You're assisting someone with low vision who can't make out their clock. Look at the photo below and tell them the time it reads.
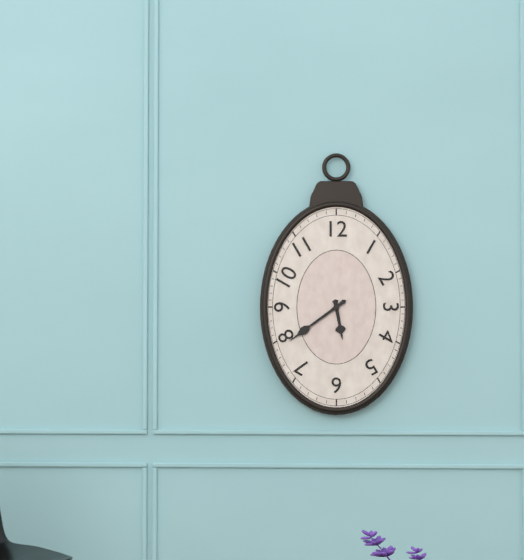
5:39
